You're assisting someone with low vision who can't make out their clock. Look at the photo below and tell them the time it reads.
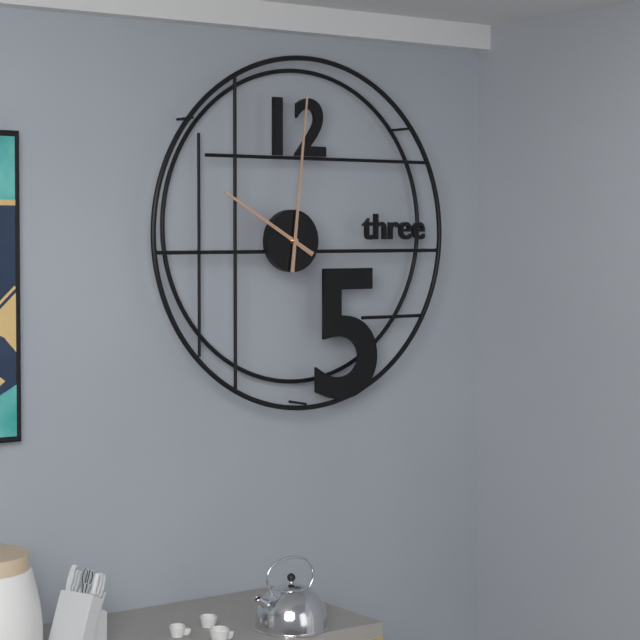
10:01
